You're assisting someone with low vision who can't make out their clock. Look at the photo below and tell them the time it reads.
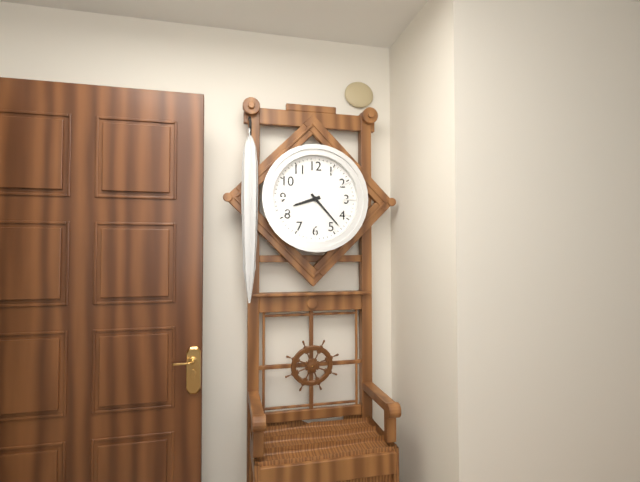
8:23
